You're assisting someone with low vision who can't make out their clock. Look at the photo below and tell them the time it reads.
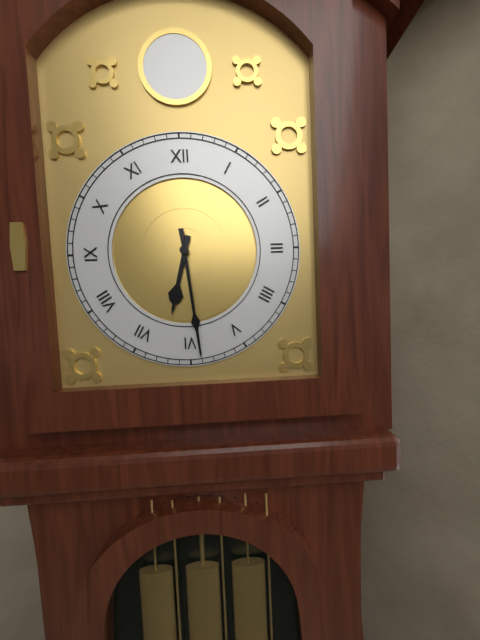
6:29
